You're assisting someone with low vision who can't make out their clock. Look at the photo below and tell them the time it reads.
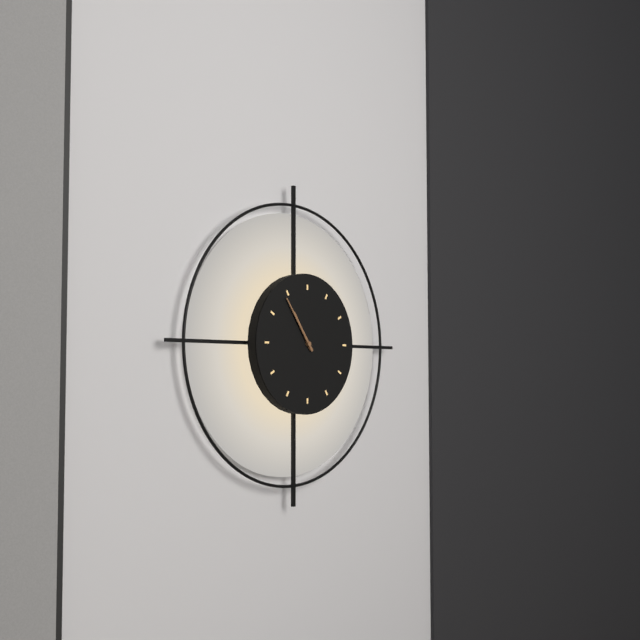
10:54
